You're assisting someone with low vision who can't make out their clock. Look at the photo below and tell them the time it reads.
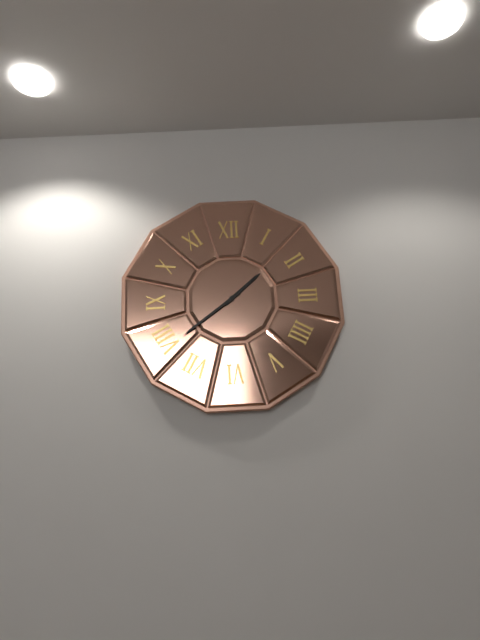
1:39
